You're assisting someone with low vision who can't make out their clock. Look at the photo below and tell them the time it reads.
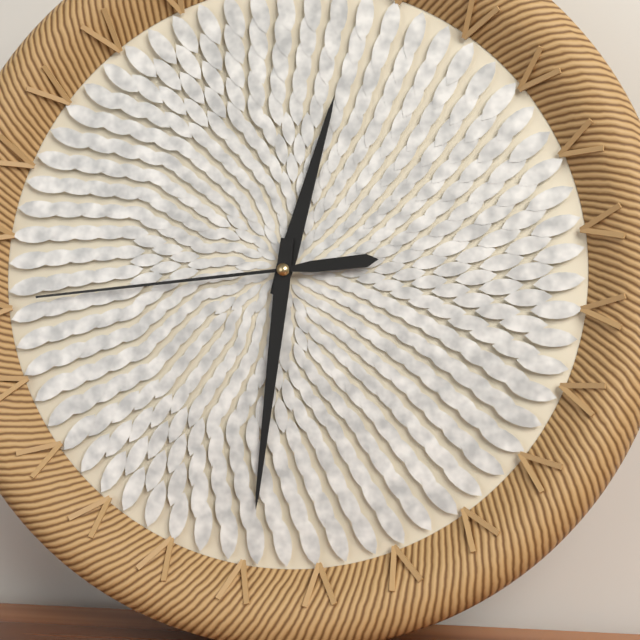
12:31:44
